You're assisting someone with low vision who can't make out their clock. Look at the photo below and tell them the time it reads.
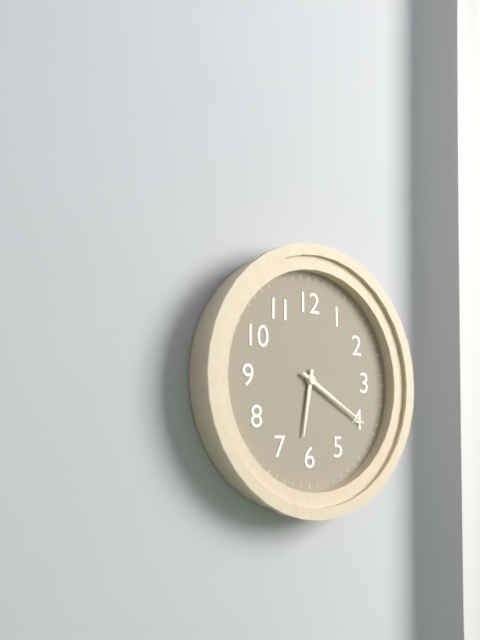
6:20
